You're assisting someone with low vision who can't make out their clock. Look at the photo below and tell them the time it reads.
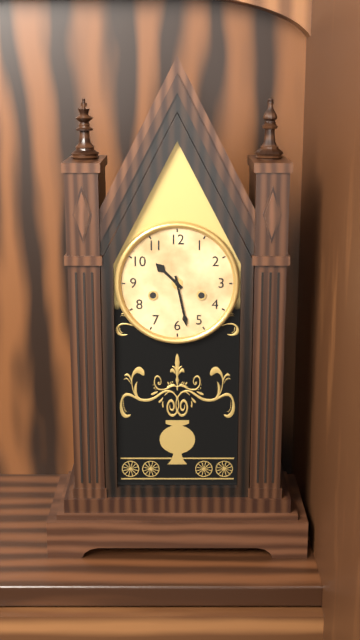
10:28
